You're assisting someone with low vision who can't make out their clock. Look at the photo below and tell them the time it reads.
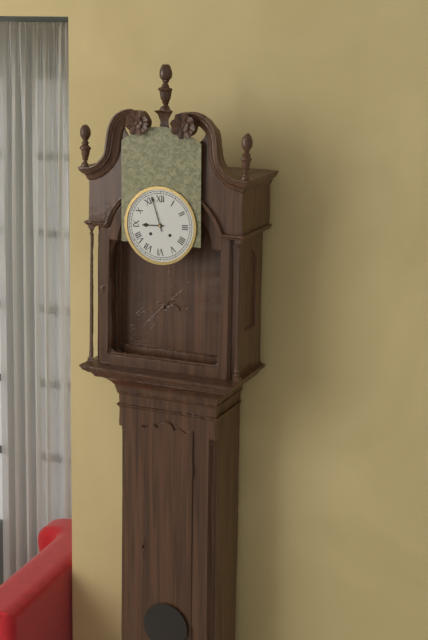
8:57
